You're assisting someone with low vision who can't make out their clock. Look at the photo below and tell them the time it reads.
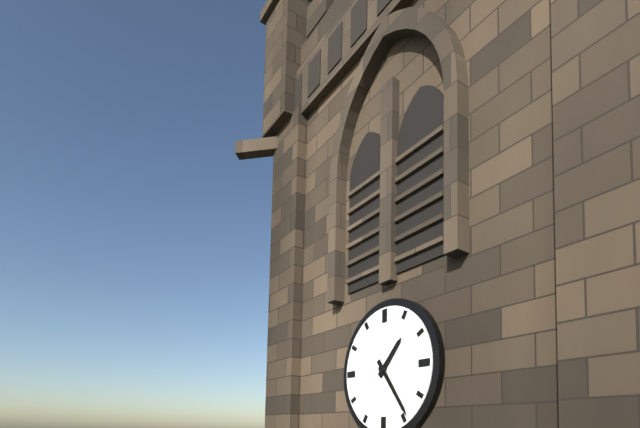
1:24
